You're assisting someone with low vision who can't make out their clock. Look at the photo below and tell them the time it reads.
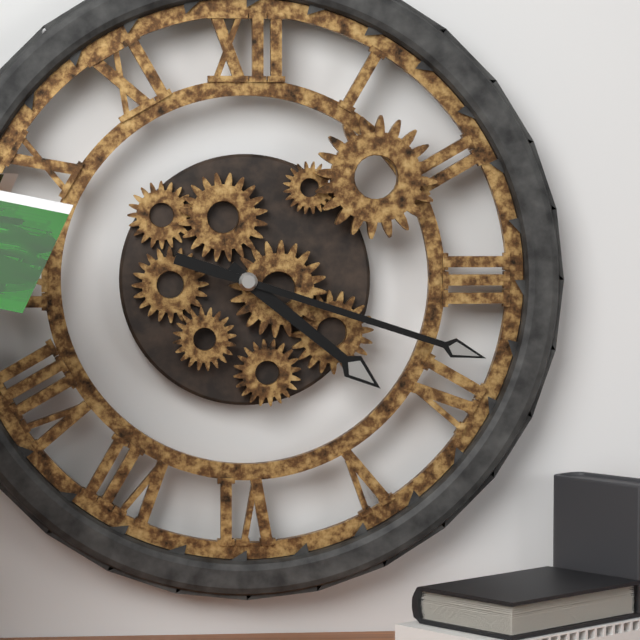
4:18
